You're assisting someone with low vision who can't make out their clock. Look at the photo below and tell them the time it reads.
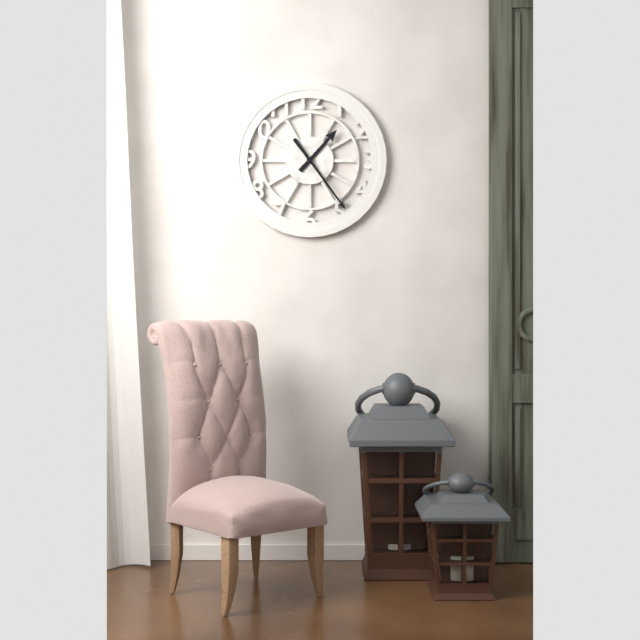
1:24
